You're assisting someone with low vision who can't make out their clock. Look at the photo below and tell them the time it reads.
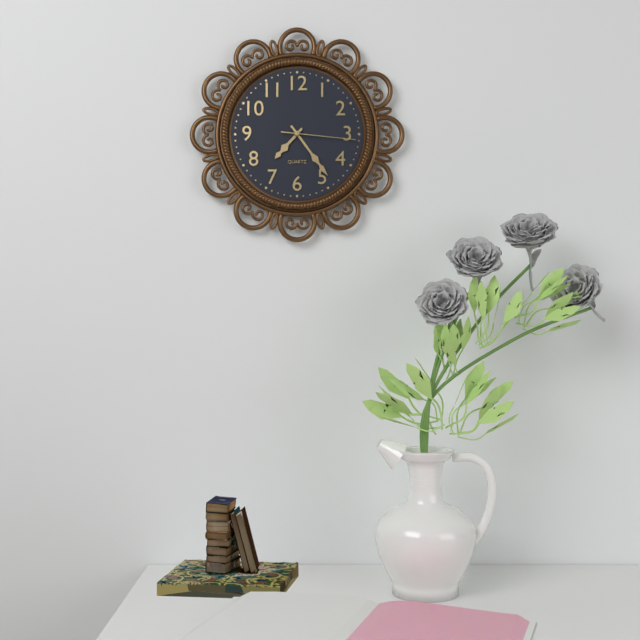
7:24:16
